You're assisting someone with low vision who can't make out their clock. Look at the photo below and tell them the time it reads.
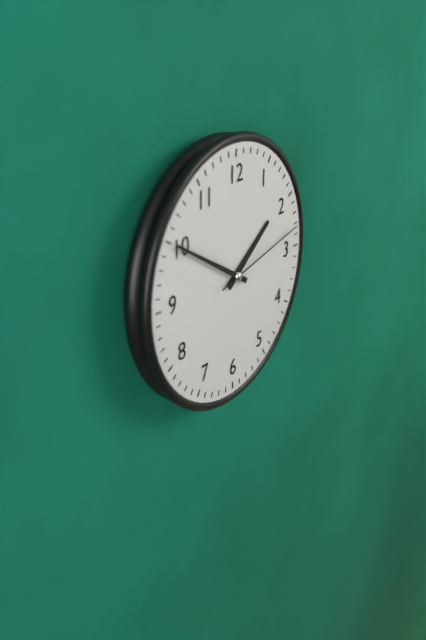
1:50:13
